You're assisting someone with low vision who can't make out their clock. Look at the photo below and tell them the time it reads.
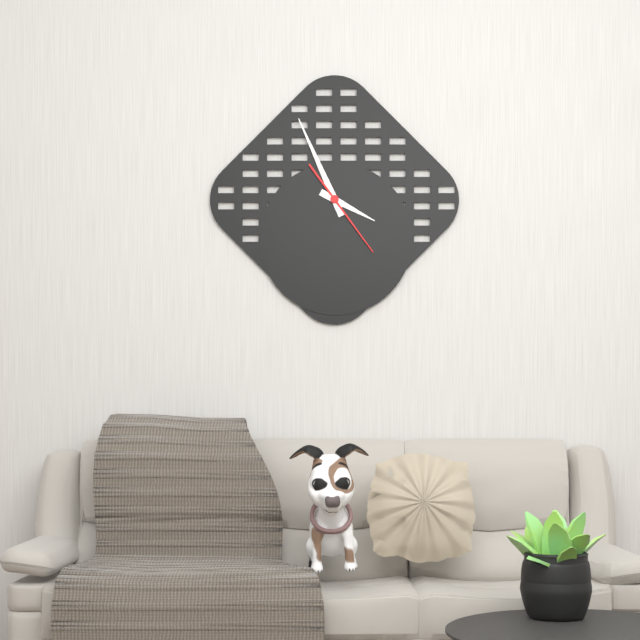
3:56:24
